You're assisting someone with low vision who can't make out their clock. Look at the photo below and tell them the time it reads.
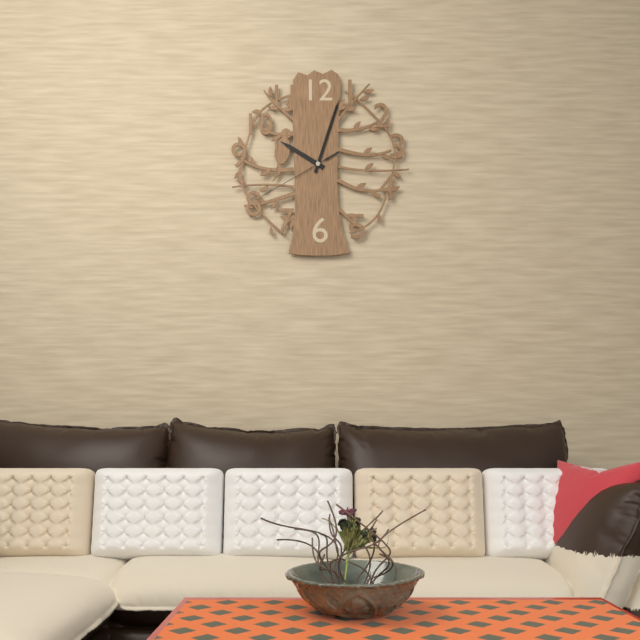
10:03:40
